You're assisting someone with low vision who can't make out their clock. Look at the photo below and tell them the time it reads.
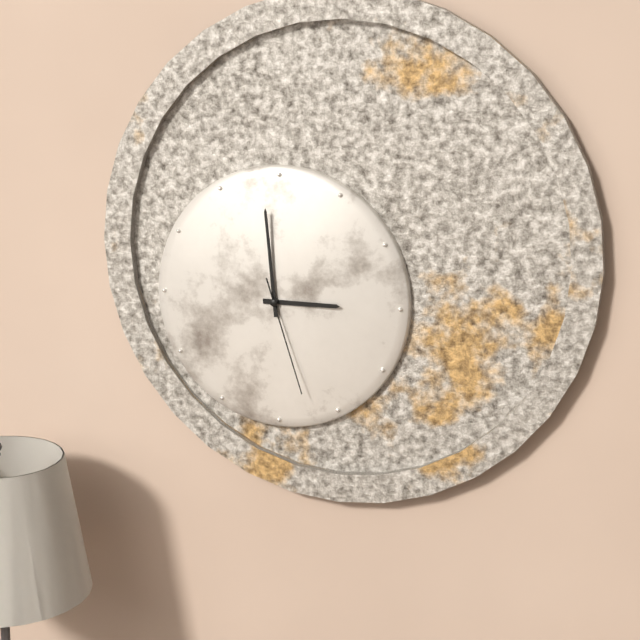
2:59:27
